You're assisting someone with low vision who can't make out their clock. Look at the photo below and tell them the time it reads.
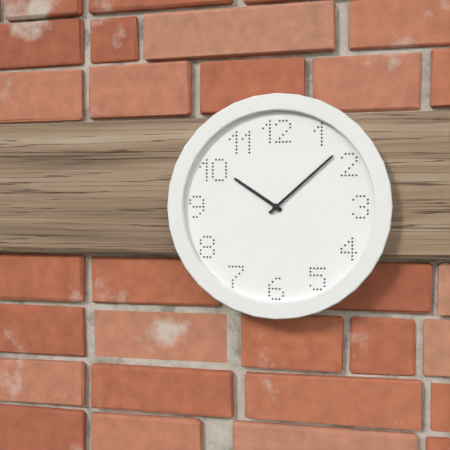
10:08
